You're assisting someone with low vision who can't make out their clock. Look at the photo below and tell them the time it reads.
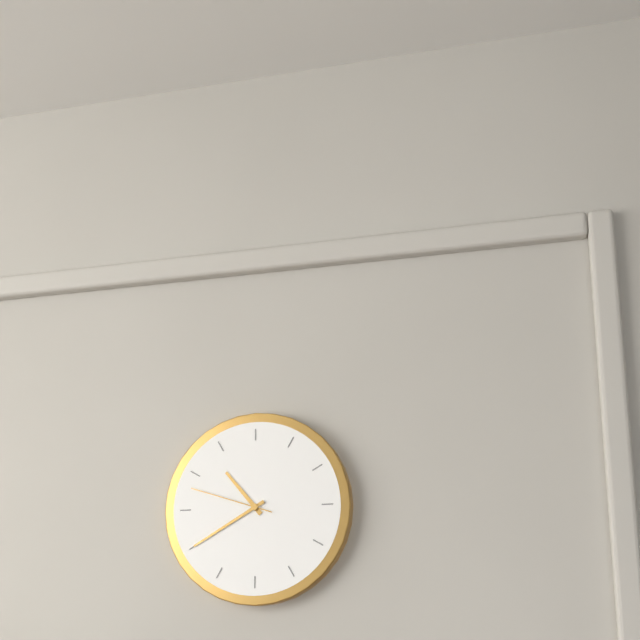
10:40:48
